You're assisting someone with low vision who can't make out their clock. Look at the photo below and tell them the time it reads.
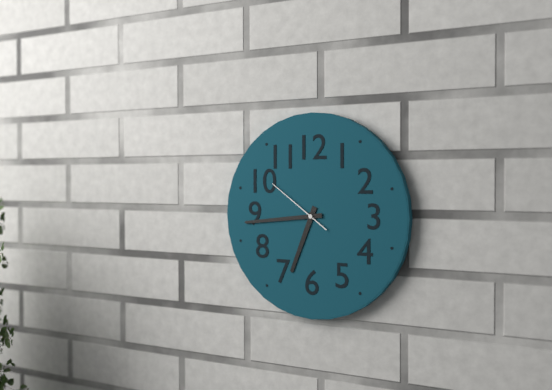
6:44:51
